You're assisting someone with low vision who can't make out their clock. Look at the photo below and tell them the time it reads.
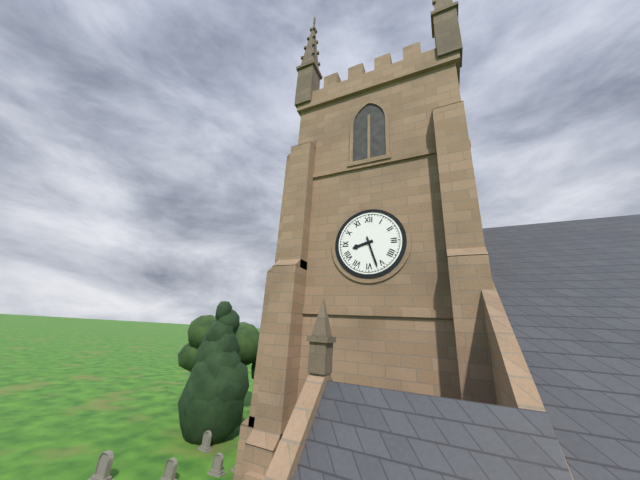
8:27
